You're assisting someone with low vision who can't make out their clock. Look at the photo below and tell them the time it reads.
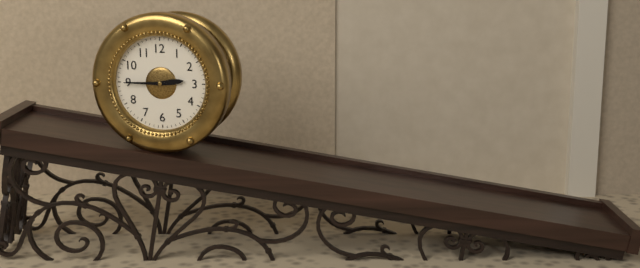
2:45
